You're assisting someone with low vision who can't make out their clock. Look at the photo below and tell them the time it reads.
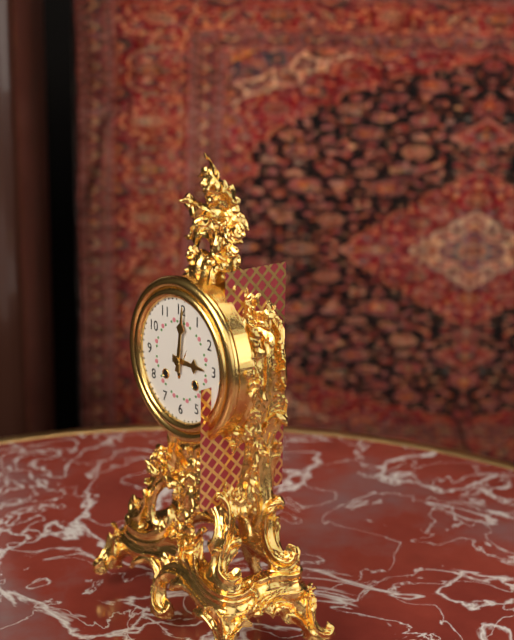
3:01
